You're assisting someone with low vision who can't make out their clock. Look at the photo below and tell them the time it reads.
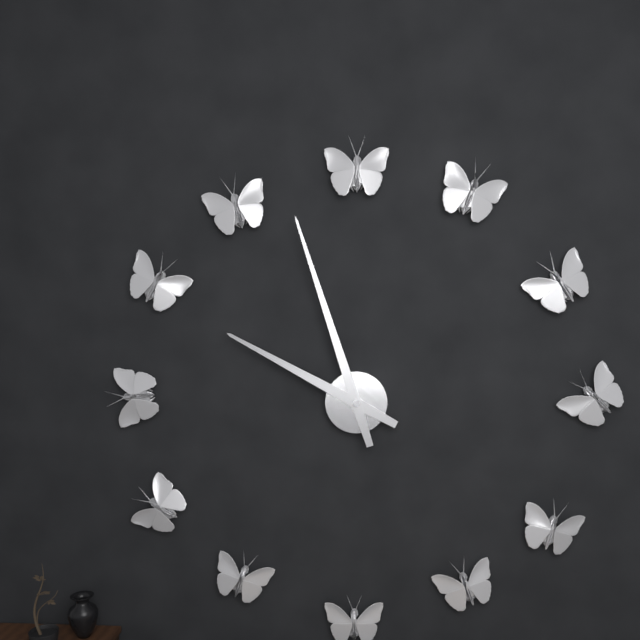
9:57
